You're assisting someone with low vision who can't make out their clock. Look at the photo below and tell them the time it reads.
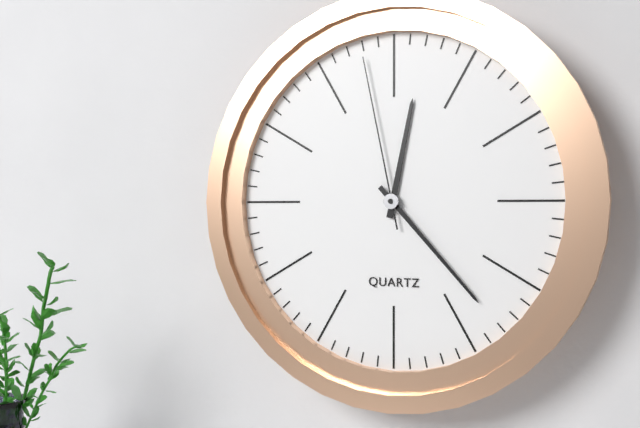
12:23:58
